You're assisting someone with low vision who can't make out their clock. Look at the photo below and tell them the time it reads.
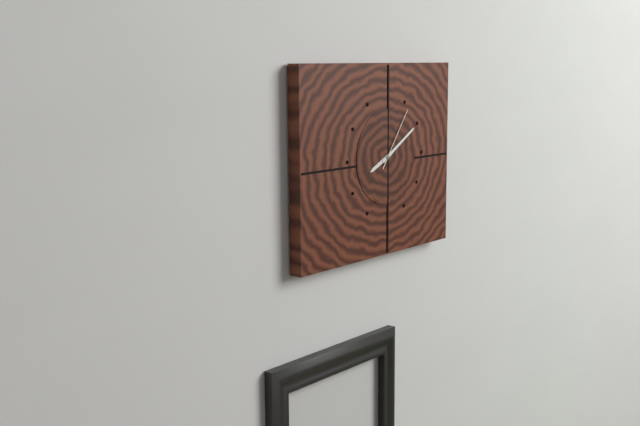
8:10:06
